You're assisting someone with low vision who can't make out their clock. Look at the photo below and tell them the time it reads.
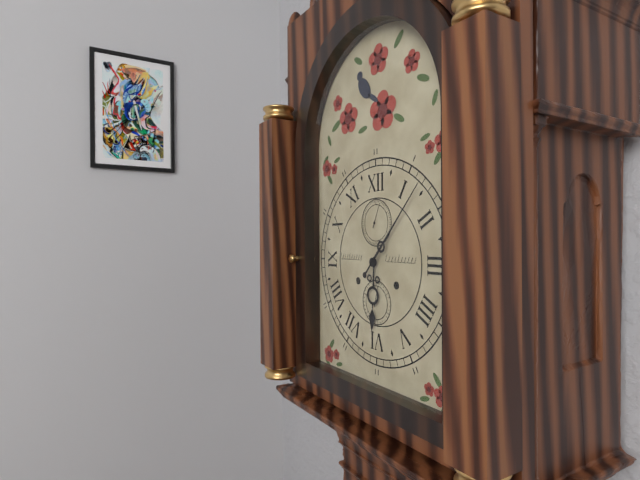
6:07
